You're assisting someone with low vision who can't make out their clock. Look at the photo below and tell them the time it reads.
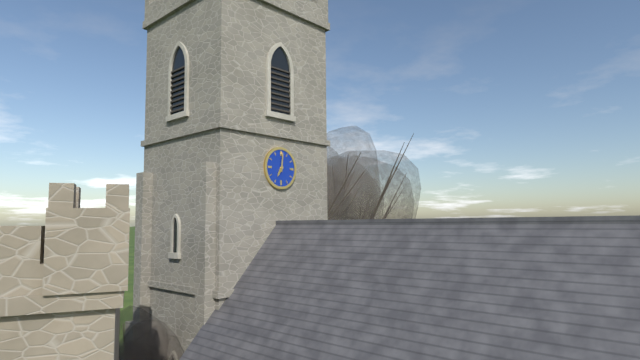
7:01
